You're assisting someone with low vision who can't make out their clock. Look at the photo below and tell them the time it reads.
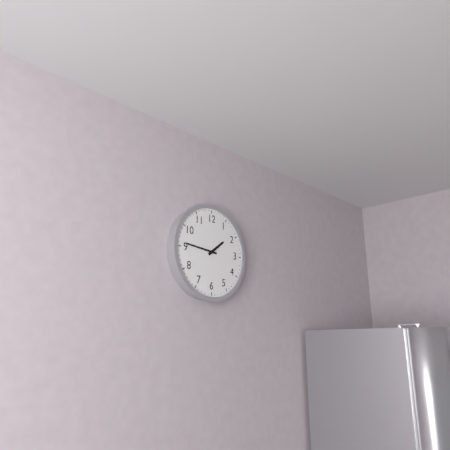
1:46
